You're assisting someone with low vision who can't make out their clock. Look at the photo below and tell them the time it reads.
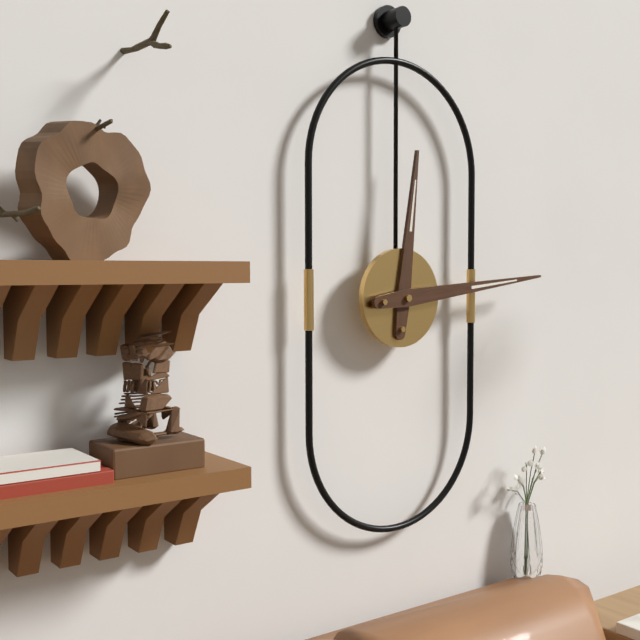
12:14
